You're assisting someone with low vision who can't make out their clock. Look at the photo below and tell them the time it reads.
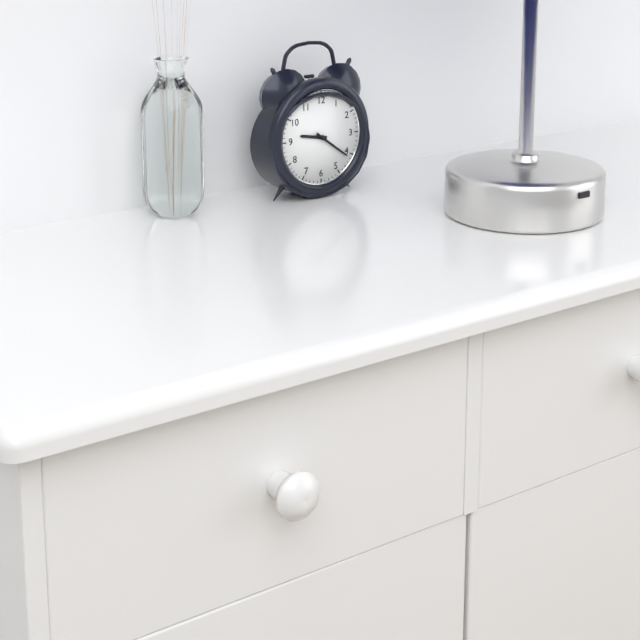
9:21
